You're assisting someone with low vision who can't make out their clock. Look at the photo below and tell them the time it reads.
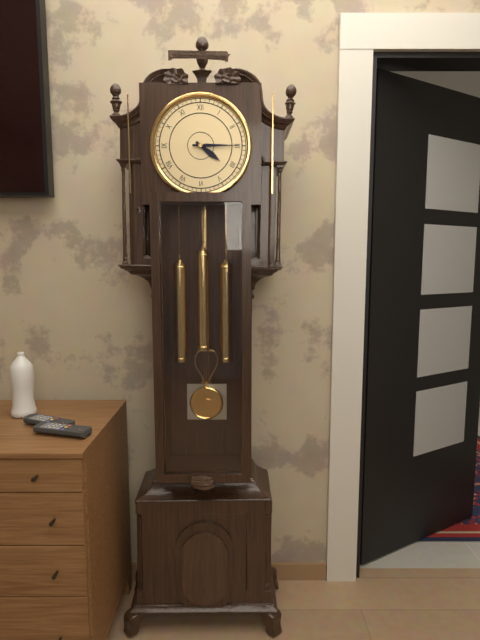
4:15
